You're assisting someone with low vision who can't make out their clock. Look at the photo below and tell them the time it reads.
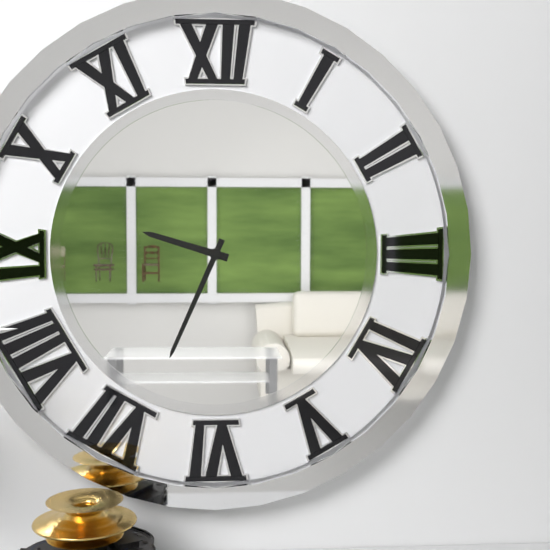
9:34
